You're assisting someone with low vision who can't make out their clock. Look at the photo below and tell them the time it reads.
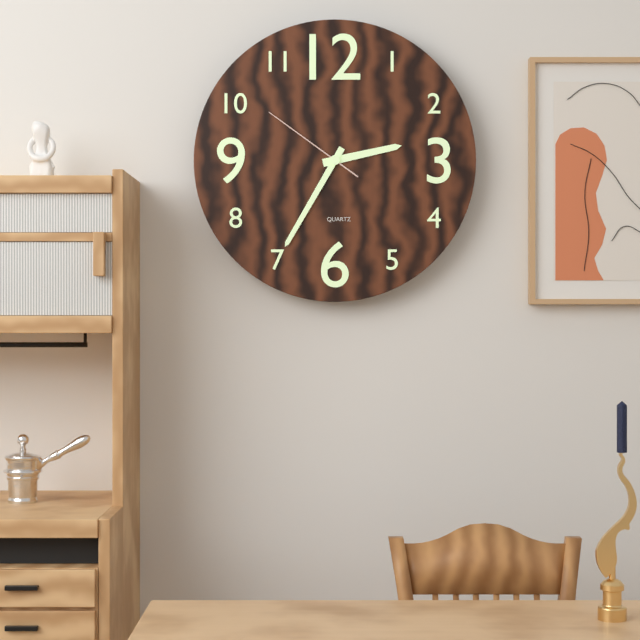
2:35:51
